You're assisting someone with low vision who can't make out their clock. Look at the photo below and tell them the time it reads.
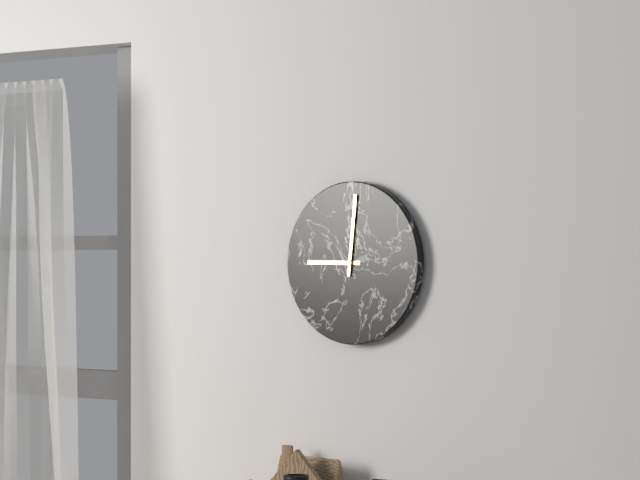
9:01
